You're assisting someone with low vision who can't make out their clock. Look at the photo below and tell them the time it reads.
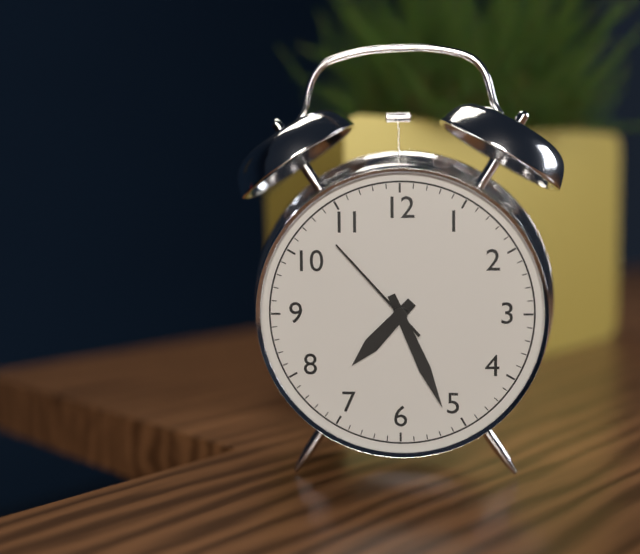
7:26:53
